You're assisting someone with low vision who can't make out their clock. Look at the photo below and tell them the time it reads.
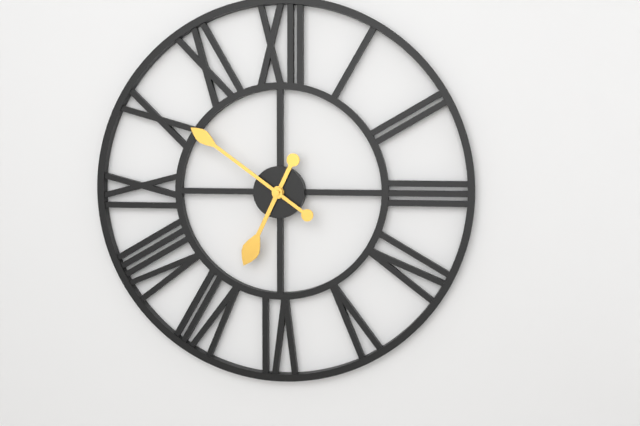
6:51
